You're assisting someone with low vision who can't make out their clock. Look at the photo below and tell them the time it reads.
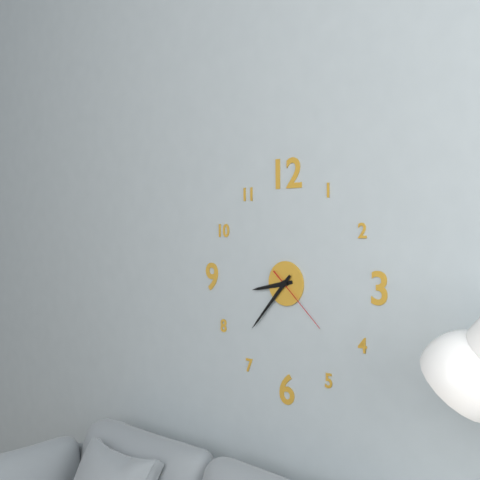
8:37:22
